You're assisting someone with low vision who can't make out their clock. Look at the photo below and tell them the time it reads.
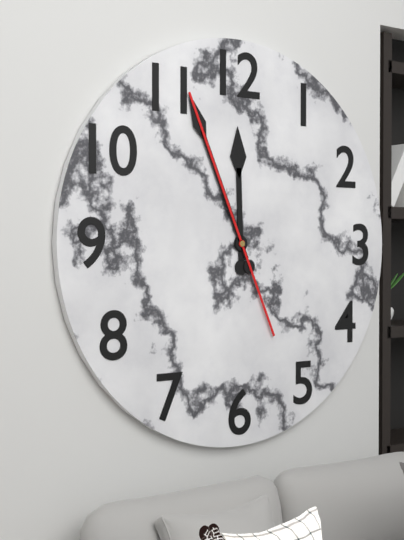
11:56:56
